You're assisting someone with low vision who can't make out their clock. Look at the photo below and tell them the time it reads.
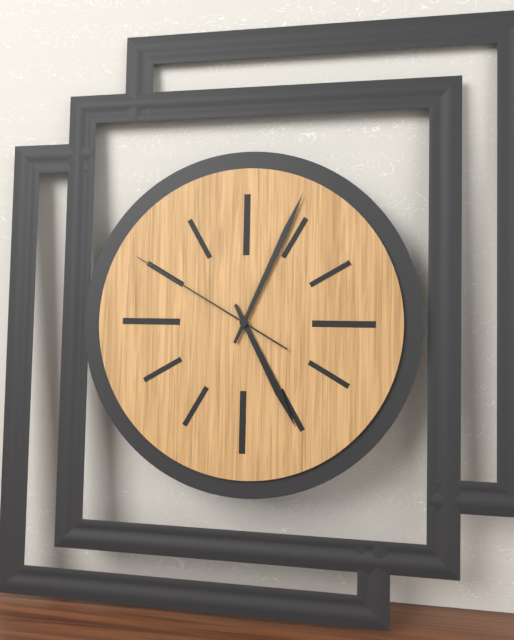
5:04:50
